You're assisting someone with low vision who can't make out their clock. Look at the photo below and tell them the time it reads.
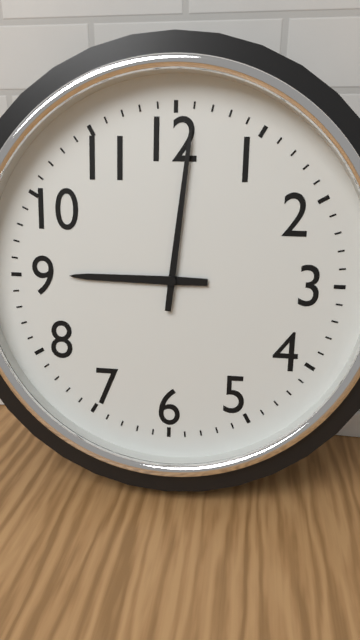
9:01
